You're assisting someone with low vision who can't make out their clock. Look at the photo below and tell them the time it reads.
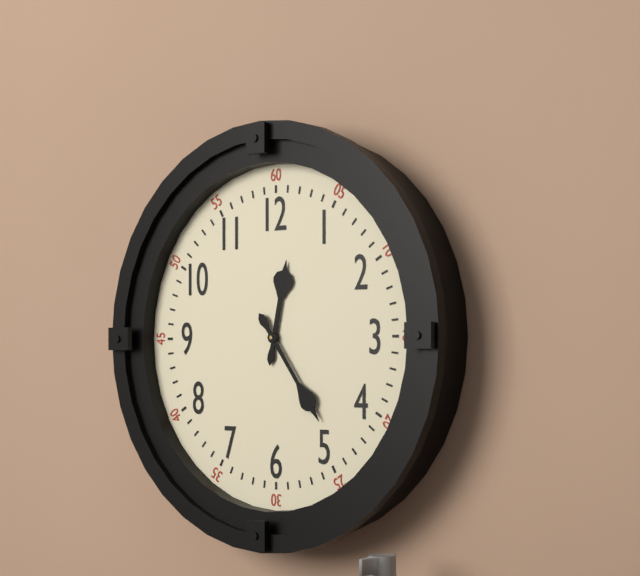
12:24
